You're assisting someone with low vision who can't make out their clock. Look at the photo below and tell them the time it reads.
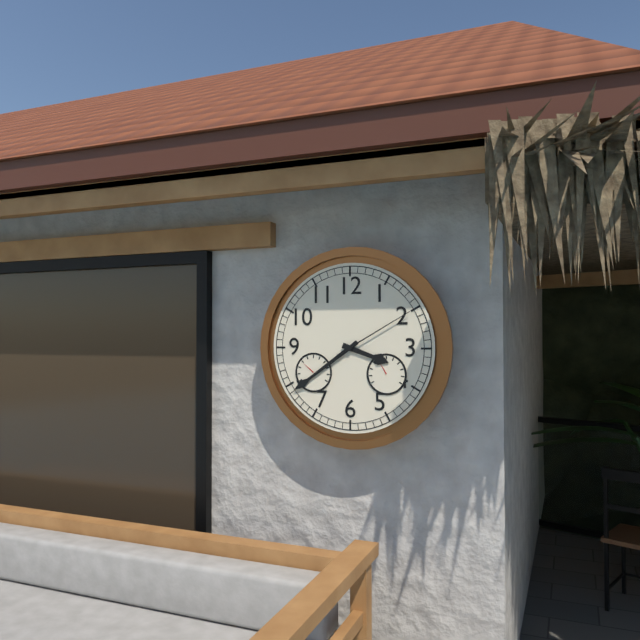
3:39:10
